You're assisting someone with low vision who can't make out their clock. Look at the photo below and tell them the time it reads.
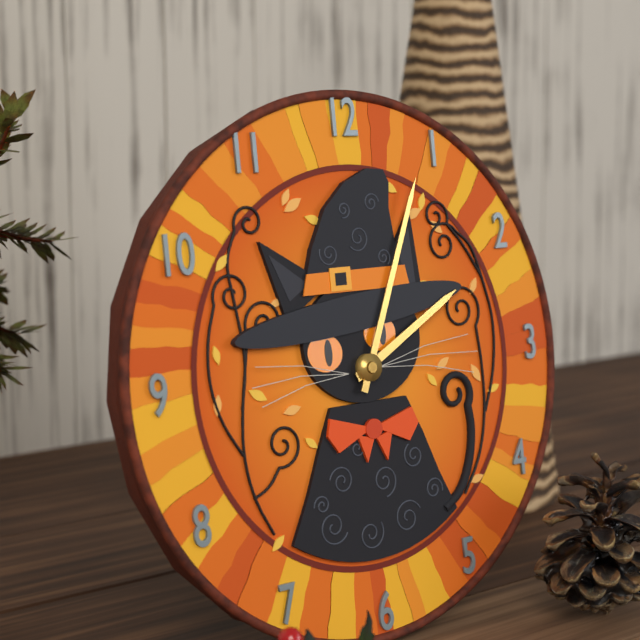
2:04
